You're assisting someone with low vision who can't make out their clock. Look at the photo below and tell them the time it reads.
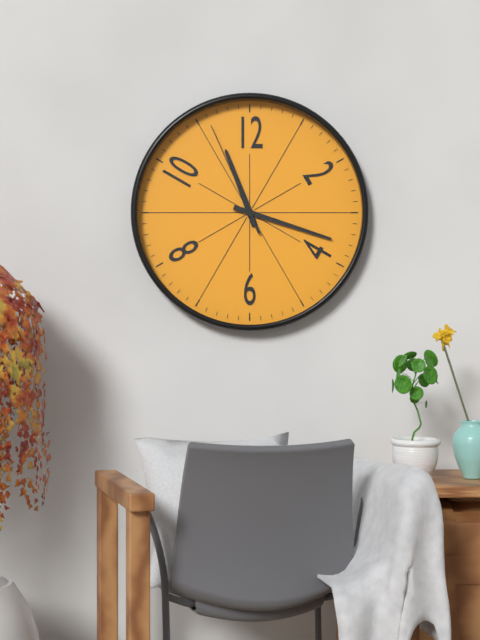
11:18:56
